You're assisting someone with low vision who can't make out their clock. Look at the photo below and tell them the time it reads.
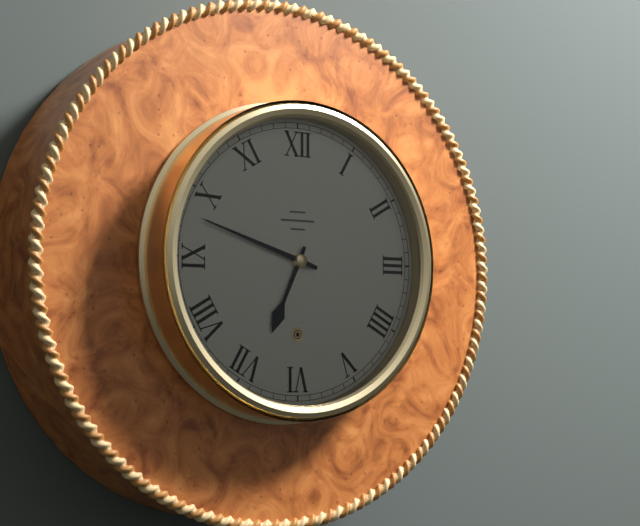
6:48
